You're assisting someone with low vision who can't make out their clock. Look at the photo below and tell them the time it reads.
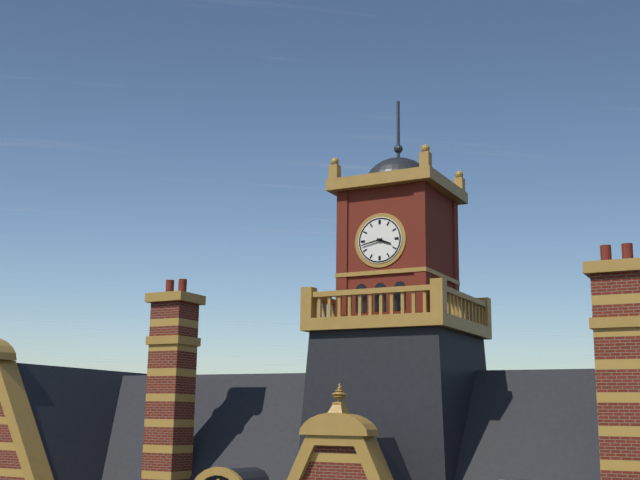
3:43
